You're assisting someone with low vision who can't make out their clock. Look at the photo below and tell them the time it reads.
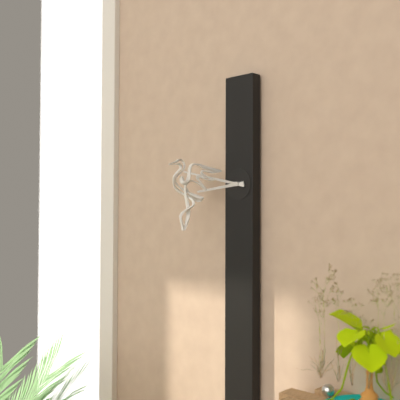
8:47
